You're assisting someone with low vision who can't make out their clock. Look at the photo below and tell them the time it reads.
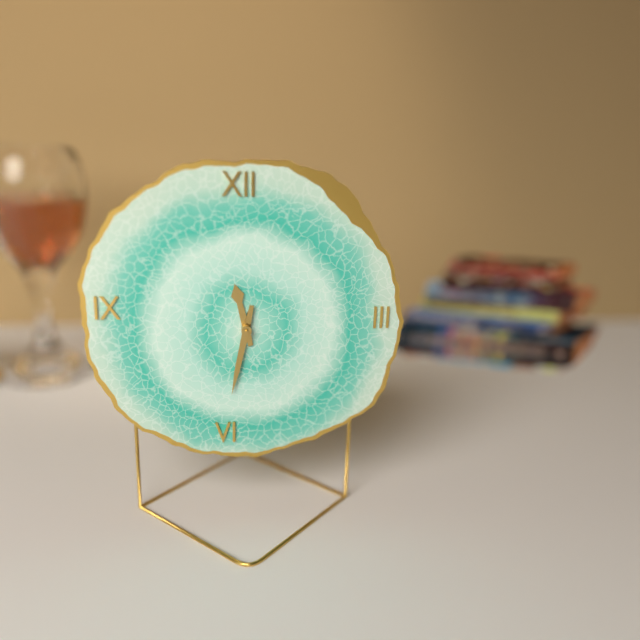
11:32
